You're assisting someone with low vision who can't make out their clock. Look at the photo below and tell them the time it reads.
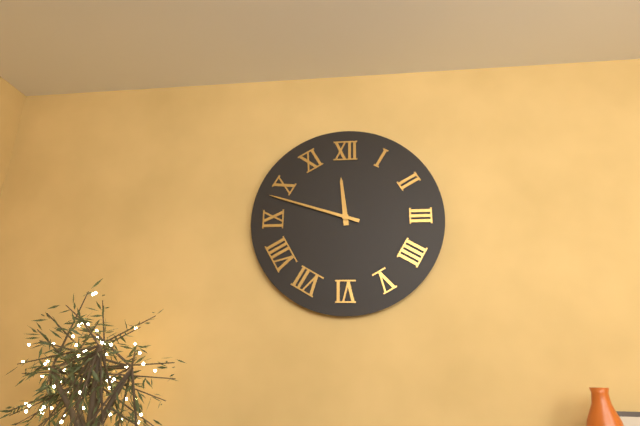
11:48
